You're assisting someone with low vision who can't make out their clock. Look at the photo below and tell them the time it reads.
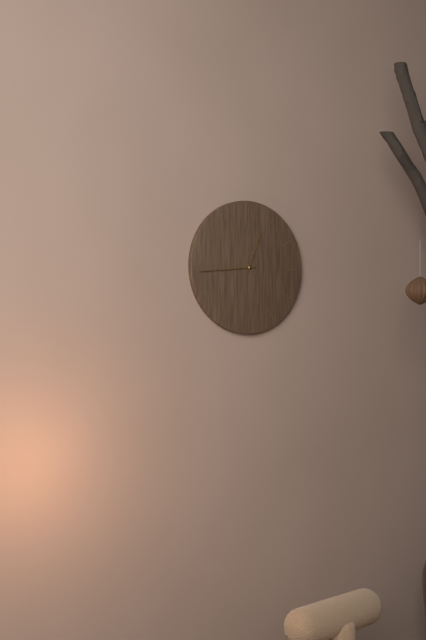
12:44
